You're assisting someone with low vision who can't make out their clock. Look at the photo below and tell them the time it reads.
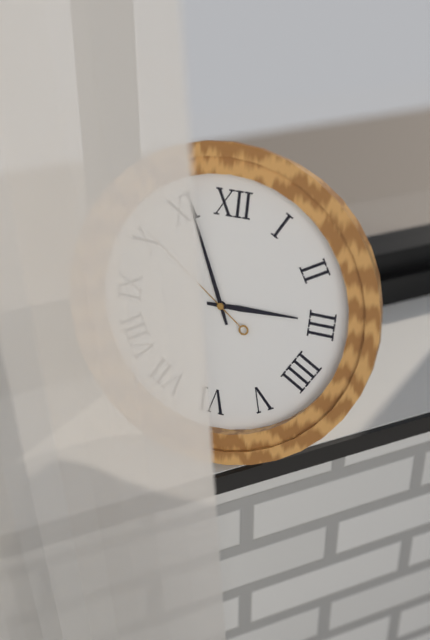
2:56
